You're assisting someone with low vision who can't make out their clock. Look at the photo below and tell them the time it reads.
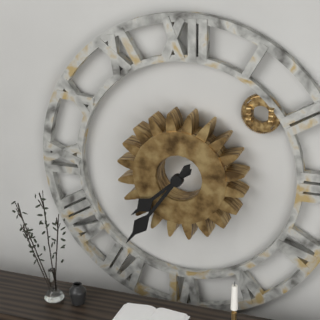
7:36
